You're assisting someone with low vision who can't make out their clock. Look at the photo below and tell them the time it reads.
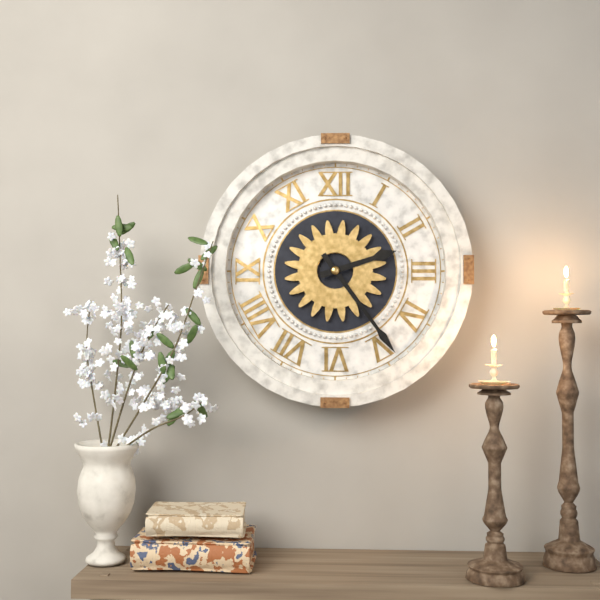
2:24
